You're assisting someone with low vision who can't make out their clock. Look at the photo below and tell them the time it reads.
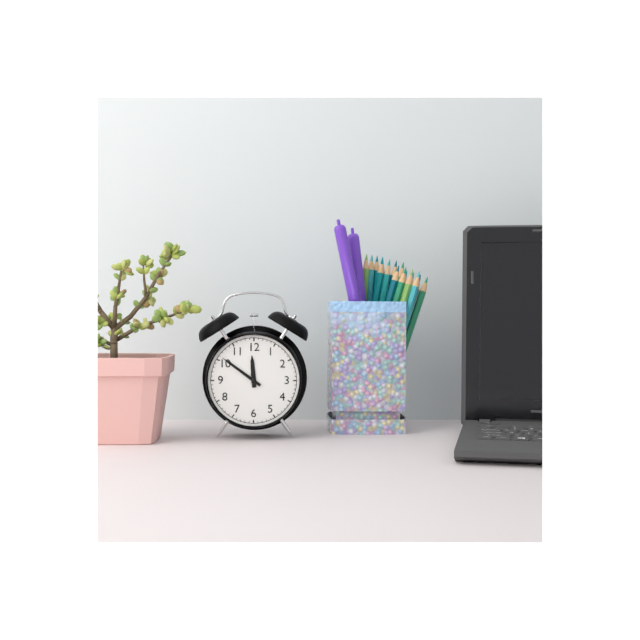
11:51
